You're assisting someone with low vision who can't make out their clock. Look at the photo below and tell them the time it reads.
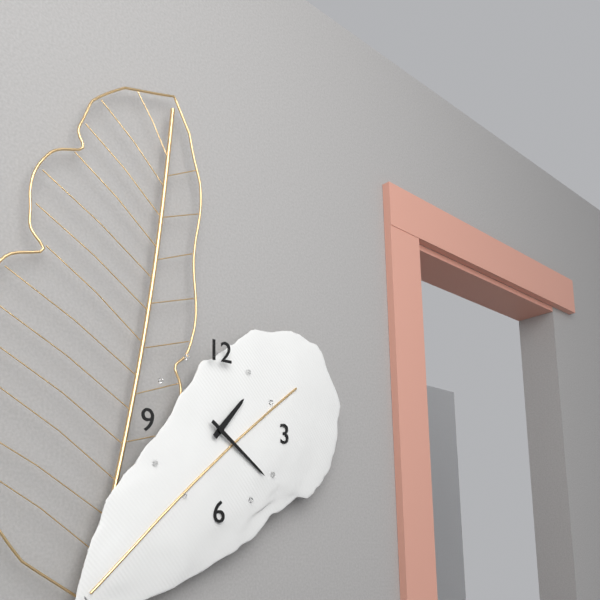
1:21
